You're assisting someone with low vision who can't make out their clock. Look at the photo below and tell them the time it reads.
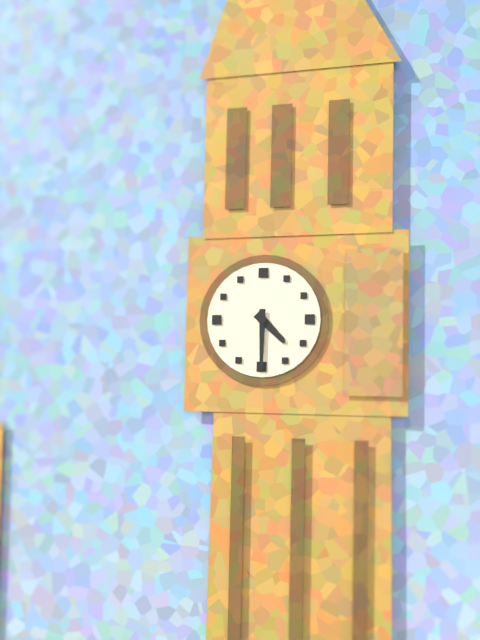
4:30
